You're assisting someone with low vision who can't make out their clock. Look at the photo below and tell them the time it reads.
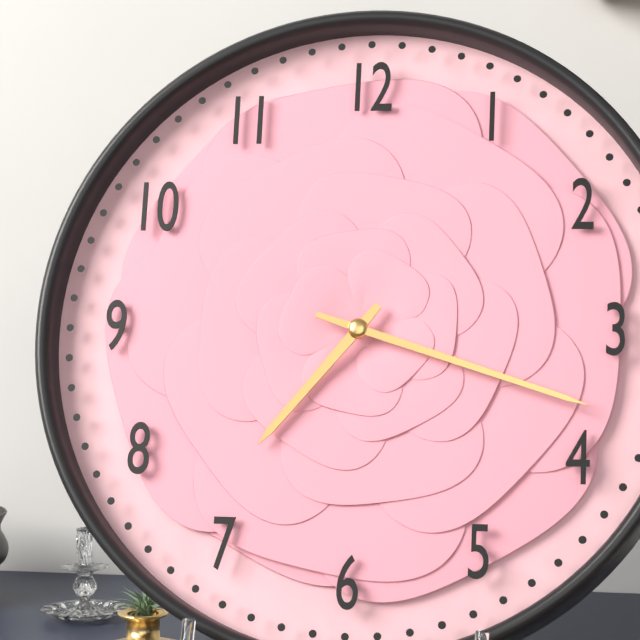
7:18
